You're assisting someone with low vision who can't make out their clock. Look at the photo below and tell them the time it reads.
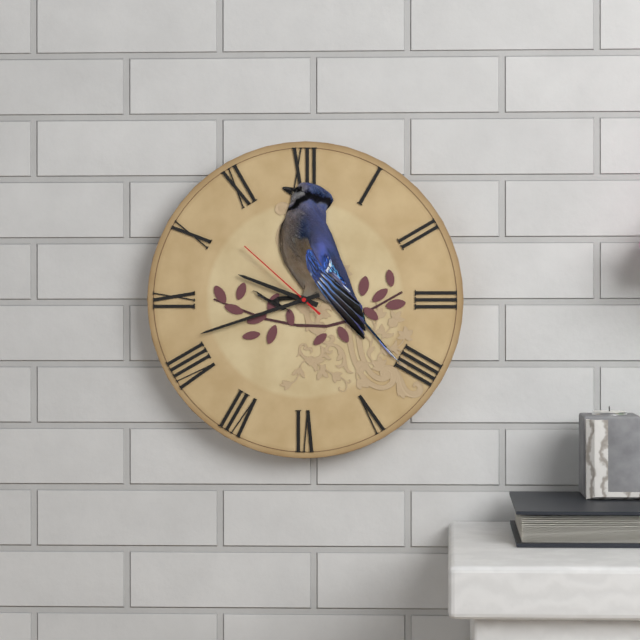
9:42:52
